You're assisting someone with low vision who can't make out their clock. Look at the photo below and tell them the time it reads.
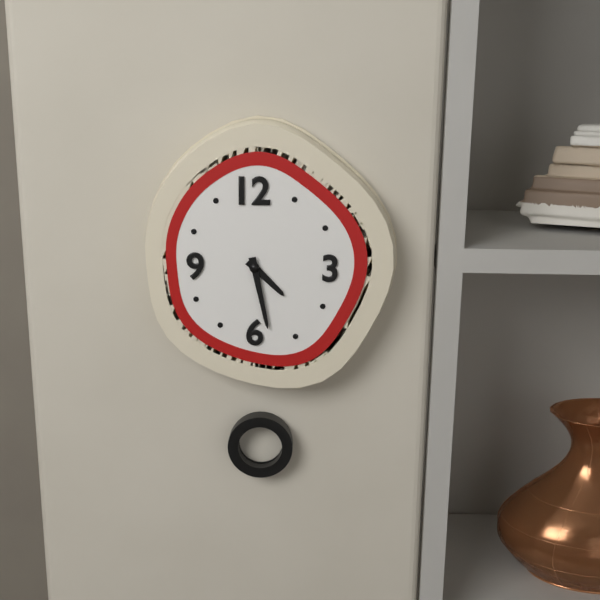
4:28
